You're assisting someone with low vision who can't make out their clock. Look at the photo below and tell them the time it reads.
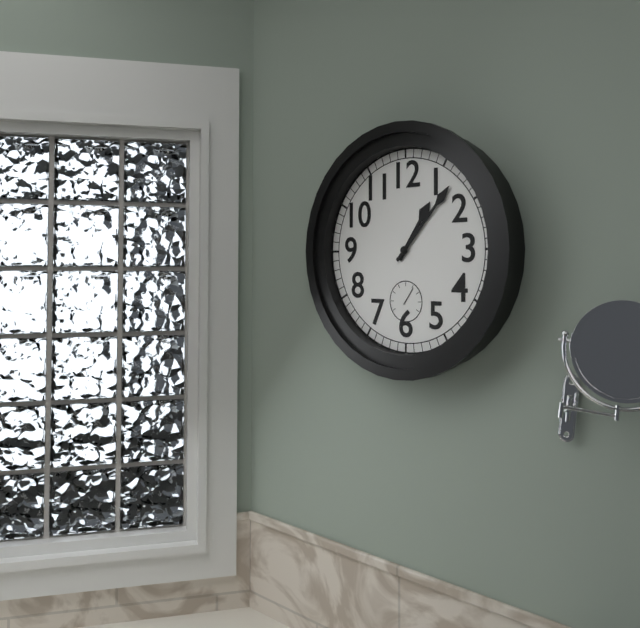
1:07
